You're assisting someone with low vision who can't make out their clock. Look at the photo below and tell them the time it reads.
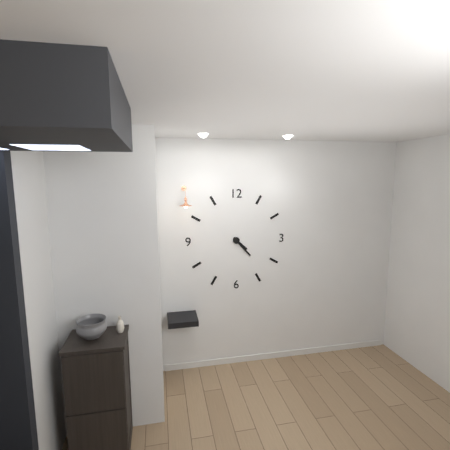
4:23
